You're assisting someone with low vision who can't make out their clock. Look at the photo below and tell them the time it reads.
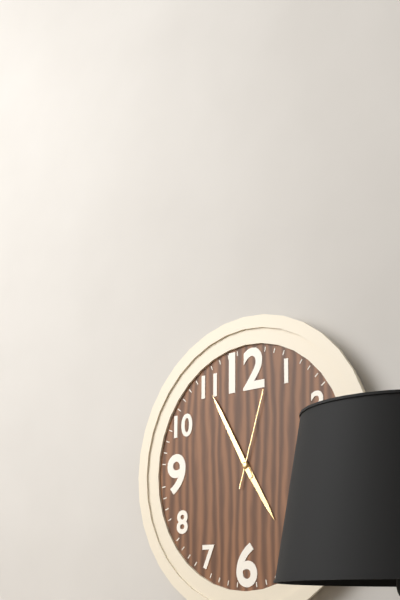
4:55:03
